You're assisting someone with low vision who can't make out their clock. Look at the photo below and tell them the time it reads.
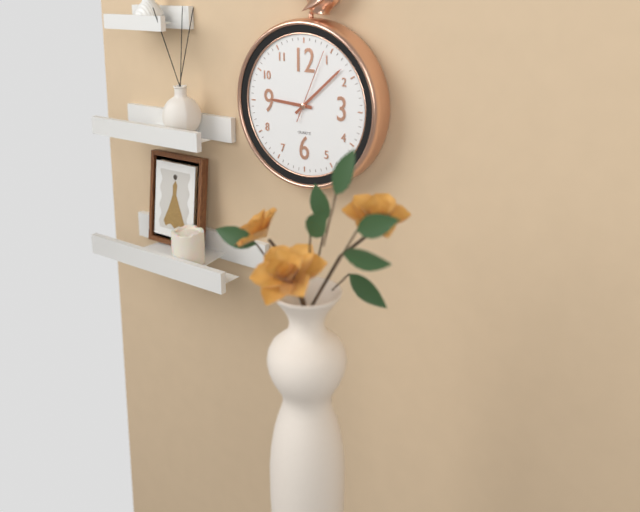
9:08:04
